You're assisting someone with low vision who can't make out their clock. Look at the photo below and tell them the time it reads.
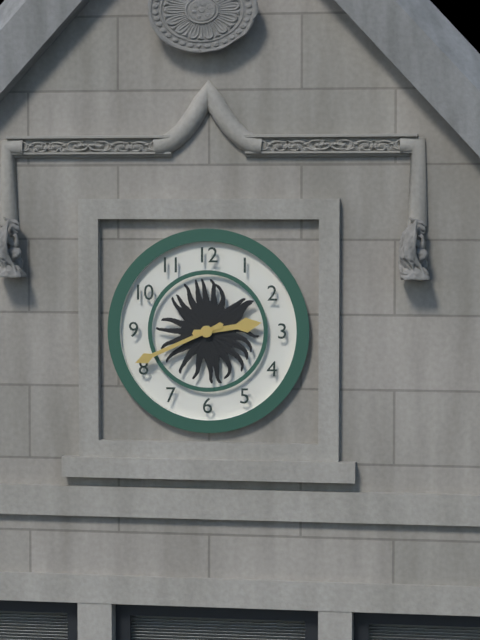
2:41
